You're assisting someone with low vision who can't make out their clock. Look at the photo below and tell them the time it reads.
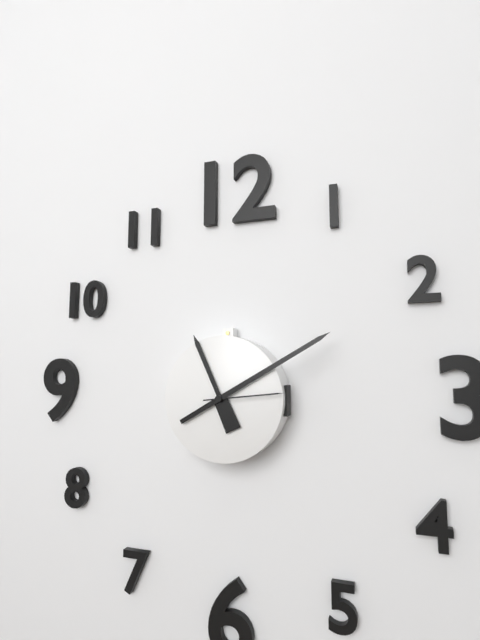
11:10:14
